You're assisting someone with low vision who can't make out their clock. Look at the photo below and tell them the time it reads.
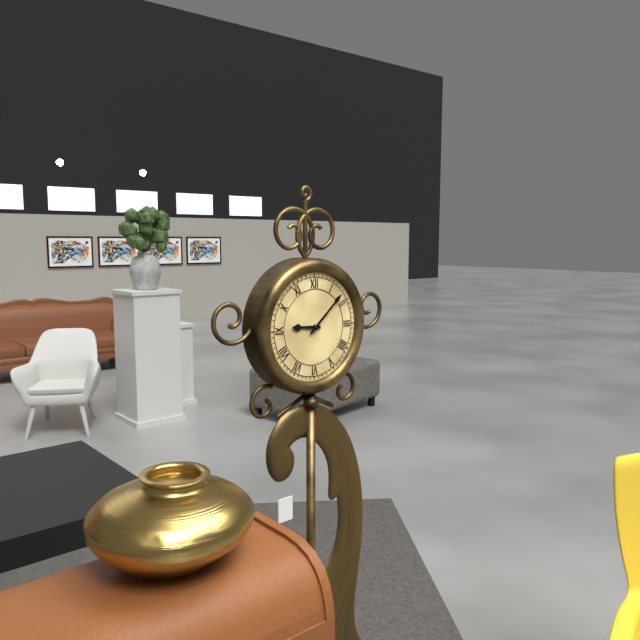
9:08
